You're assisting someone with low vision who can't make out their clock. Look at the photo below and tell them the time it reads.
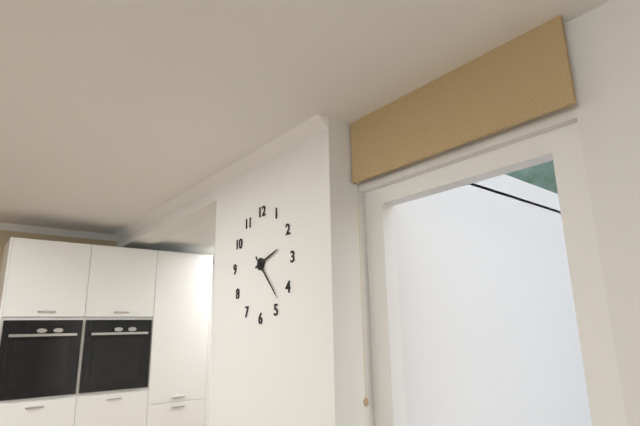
2:23
